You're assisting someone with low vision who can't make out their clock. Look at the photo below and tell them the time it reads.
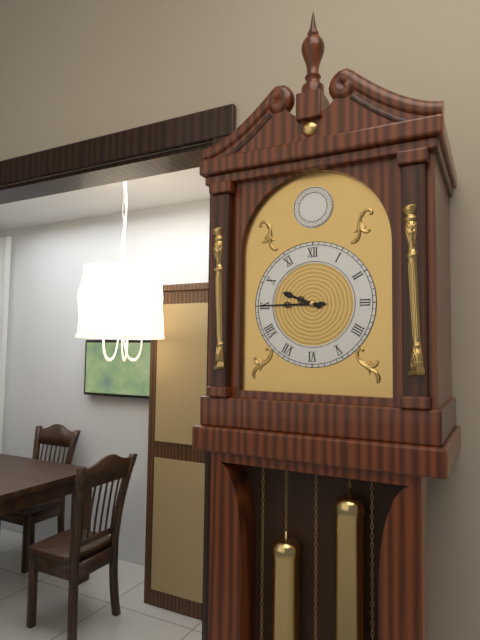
9:45
